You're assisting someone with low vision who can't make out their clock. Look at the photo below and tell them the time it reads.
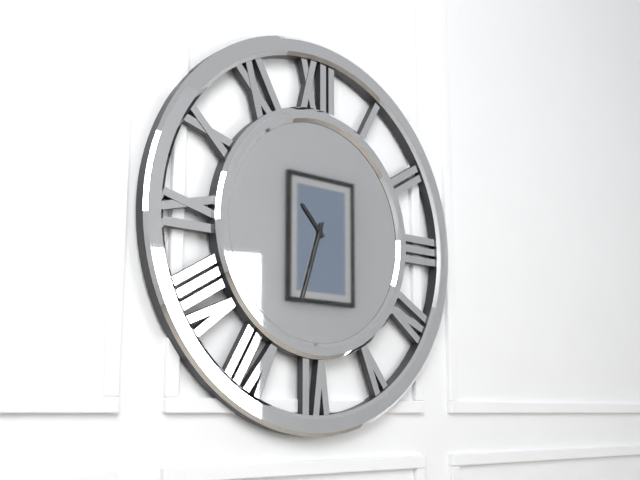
10:33
